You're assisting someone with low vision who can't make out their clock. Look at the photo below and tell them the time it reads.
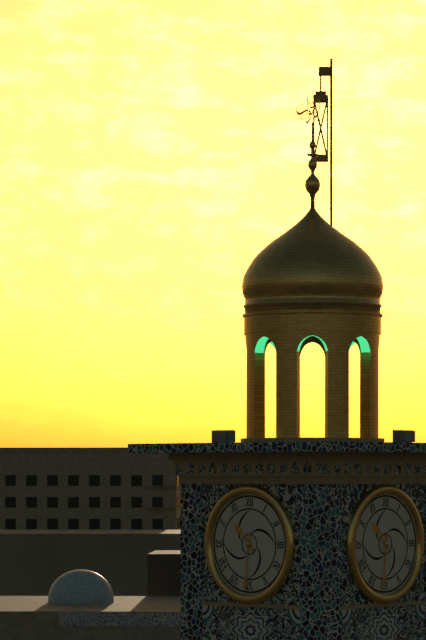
10:31
